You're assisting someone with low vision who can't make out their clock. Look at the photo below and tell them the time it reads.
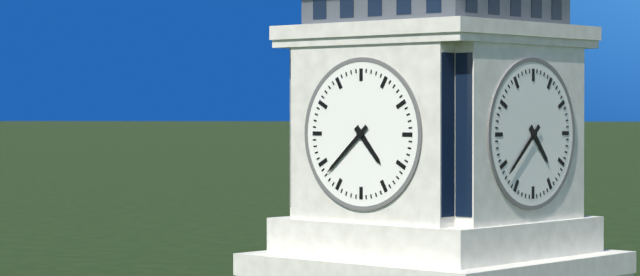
4:38
